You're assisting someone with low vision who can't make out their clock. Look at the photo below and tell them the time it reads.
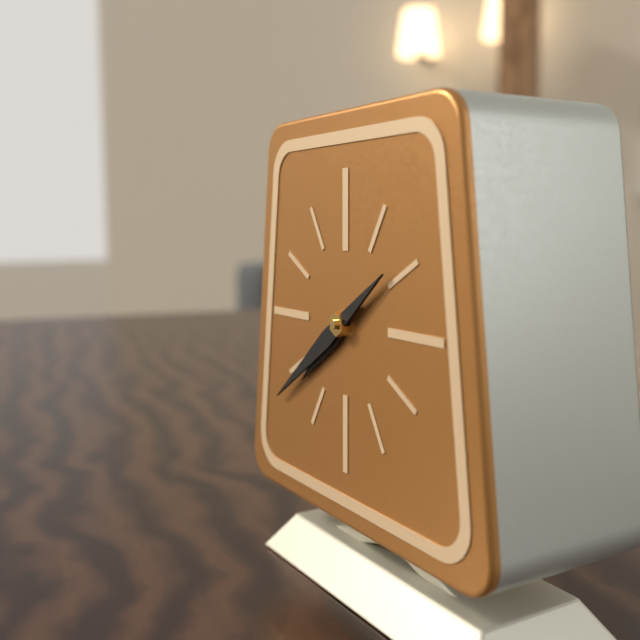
7:39
